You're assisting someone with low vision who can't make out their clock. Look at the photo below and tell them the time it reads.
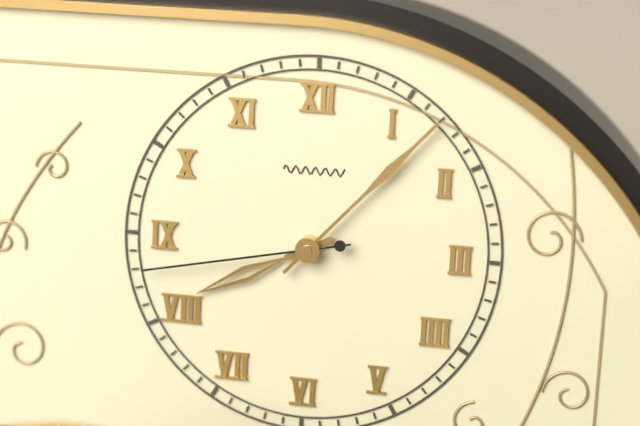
8:07:43
